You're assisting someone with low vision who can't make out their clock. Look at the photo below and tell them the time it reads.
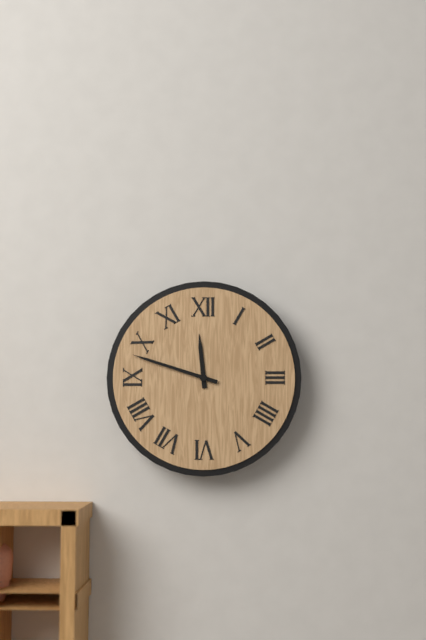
11:48
